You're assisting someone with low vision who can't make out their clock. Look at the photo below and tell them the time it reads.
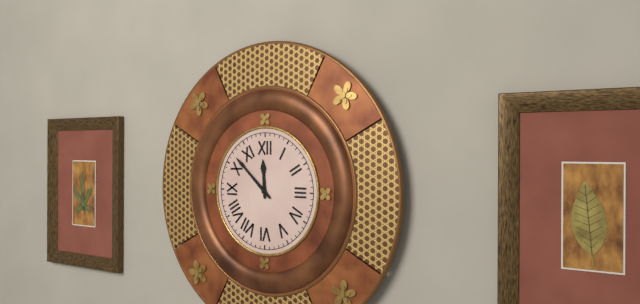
11:52
